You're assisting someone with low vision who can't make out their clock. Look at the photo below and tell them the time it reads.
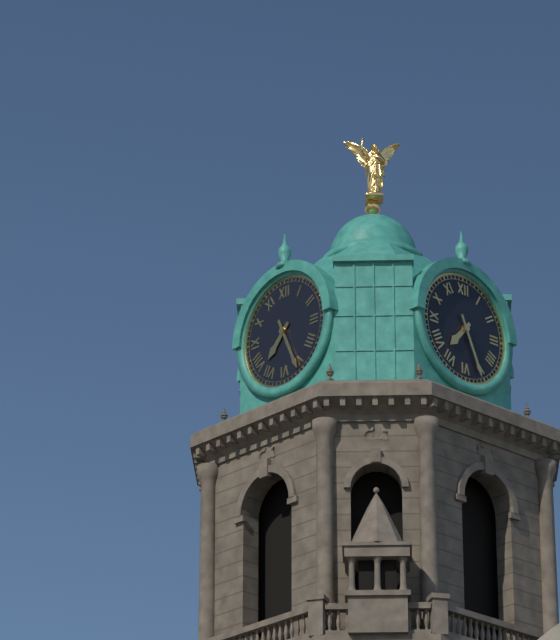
7:26
